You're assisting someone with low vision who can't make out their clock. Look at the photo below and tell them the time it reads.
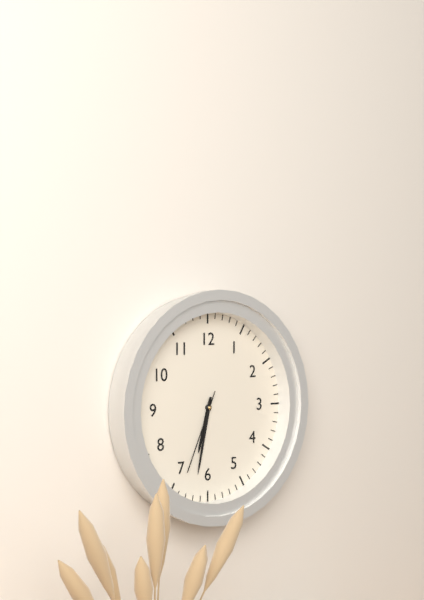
6:32:34
